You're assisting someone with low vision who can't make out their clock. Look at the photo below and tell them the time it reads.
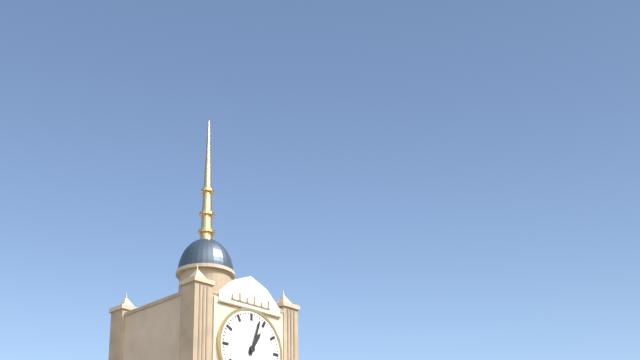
1:03
